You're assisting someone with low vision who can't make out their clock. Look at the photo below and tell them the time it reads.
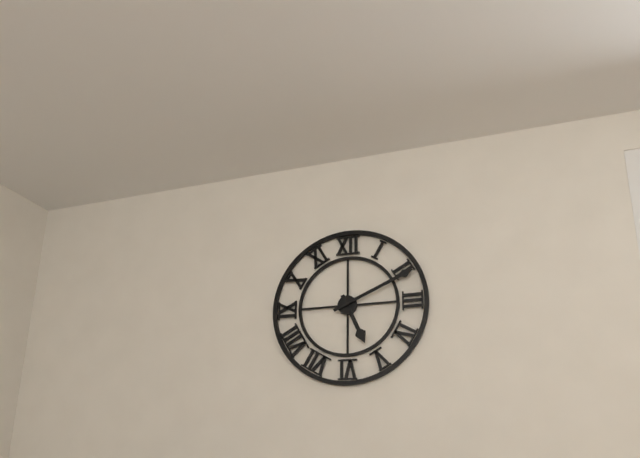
5:11
